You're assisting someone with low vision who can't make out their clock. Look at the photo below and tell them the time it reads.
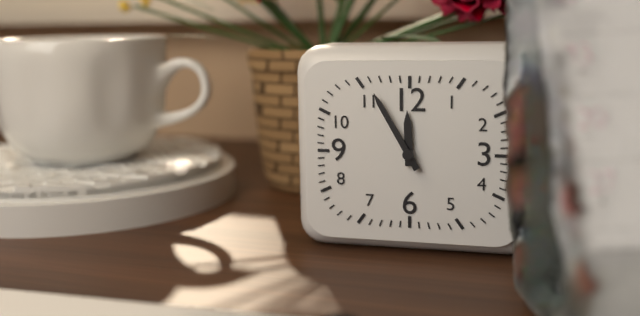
11:55
